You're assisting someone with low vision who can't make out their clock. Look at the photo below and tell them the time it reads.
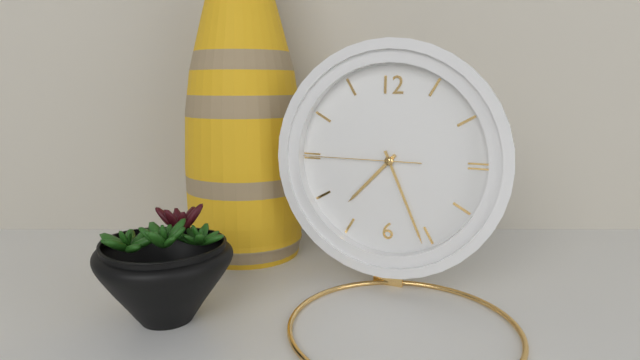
7:26:45
